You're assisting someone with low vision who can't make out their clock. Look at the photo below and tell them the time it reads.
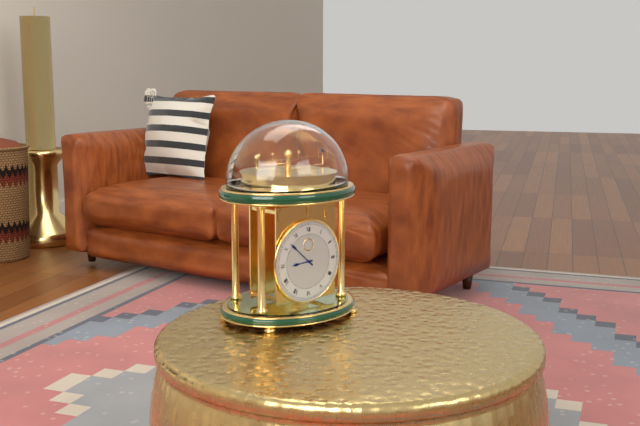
8:52
